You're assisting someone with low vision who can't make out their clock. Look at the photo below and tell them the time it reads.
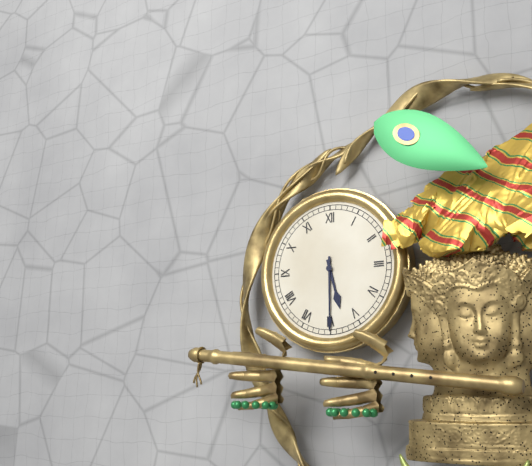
5:30
